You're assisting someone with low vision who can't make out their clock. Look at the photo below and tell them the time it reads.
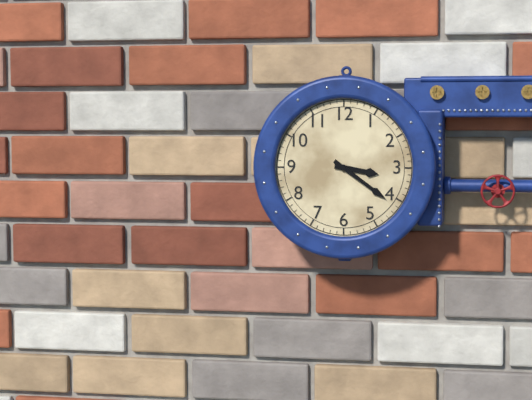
3:21
